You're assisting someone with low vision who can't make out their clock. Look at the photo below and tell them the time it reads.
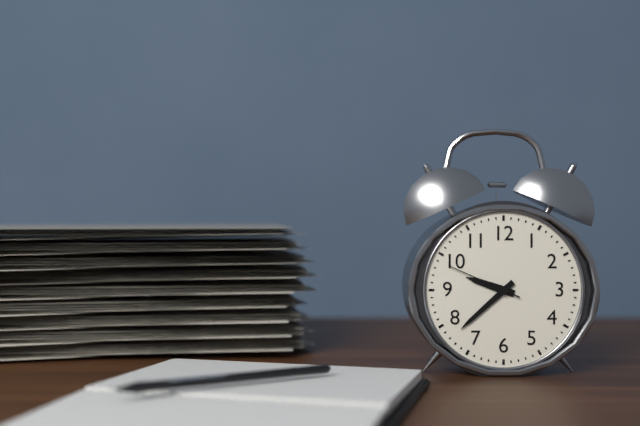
9:38:49
